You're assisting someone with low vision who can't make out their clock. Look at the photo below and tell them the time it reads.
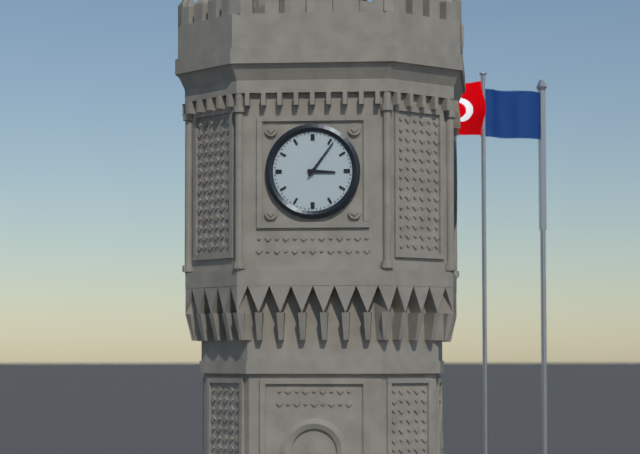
3:06
